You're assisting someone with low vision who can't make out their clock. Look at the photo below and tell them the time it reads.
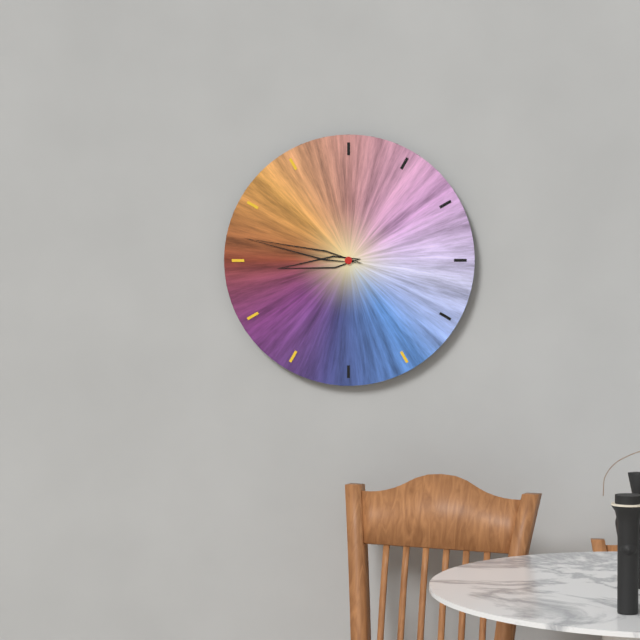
8:47
